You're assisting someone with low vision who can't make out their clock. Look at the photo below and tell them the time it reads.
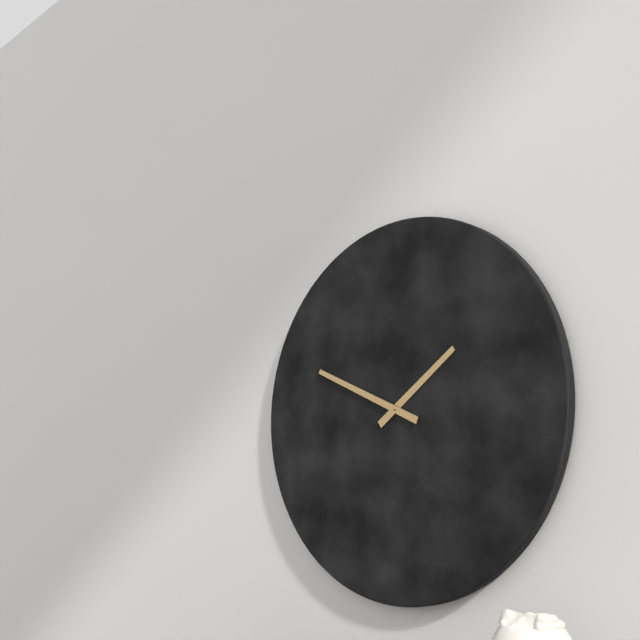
1:49
